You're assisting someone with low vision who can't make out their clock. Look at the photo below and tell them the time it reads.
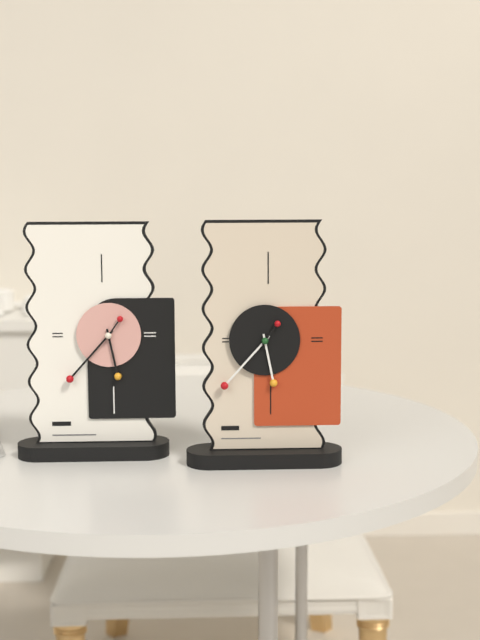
5:37
